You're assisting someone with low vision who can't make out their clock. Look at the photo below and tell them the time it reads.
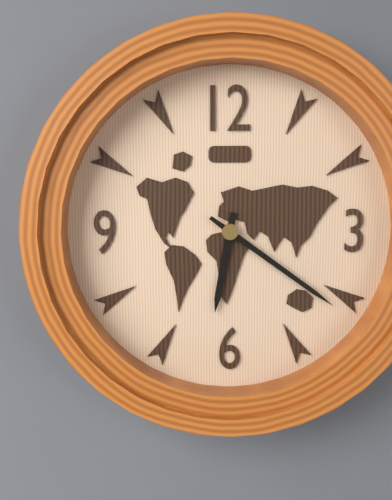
6:21
